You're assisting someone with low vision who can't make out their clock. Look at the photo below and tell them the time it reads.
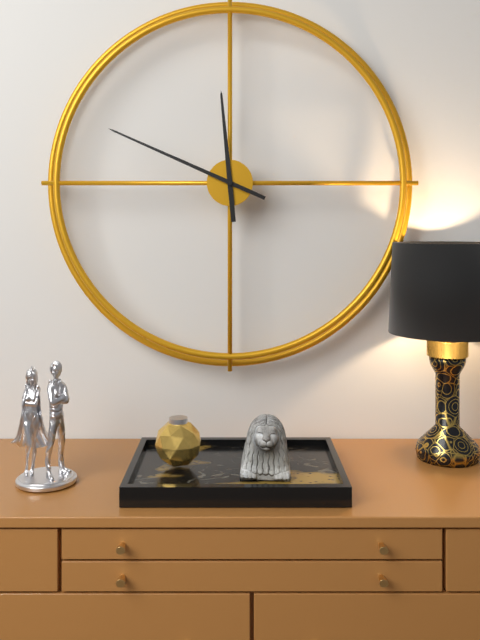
11:49
